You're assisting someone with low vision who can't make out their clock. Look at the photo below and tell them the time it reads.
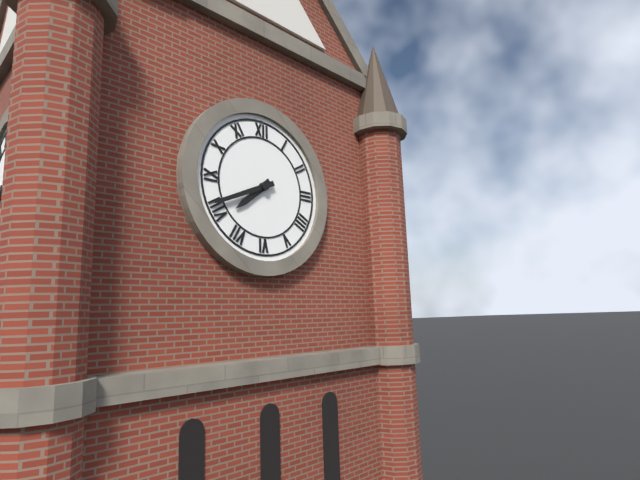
7:41
